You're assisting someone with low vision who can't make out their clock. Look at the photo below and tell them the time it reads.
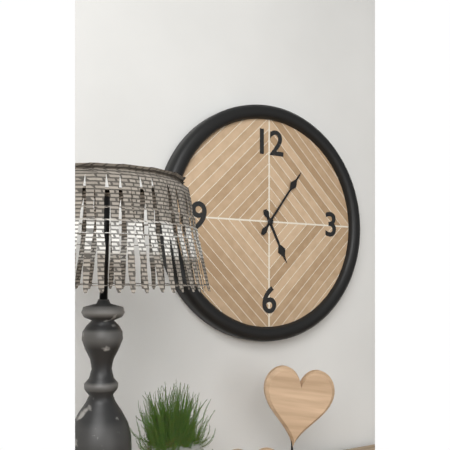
5:06
